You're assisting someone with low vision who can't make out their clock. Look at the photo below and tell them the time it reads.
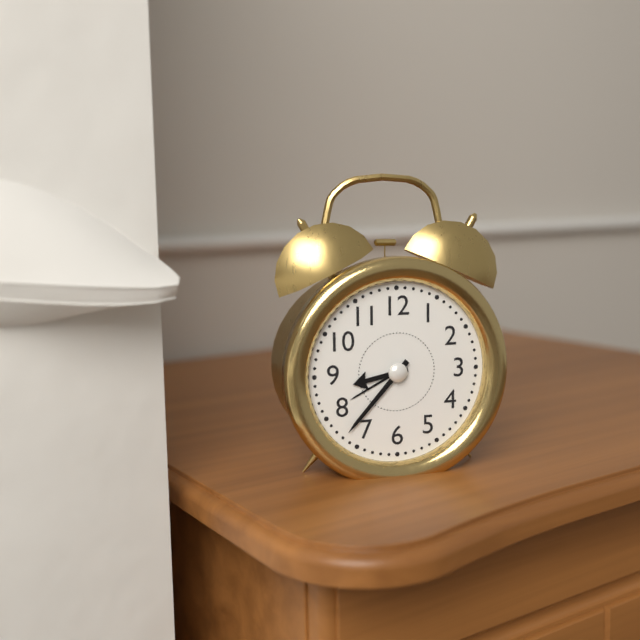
8:37
